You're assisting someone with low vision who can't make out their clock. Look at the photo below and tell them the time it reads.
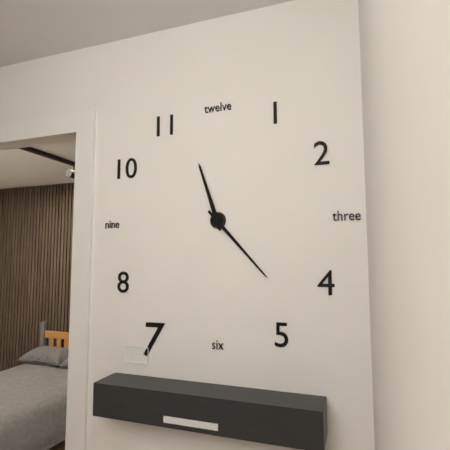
11:23
